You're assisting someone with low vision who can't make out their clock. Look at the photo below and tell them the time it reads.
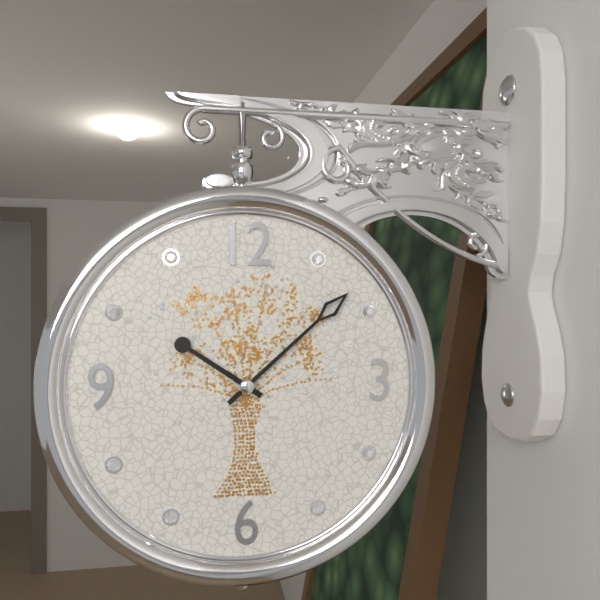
10:08
